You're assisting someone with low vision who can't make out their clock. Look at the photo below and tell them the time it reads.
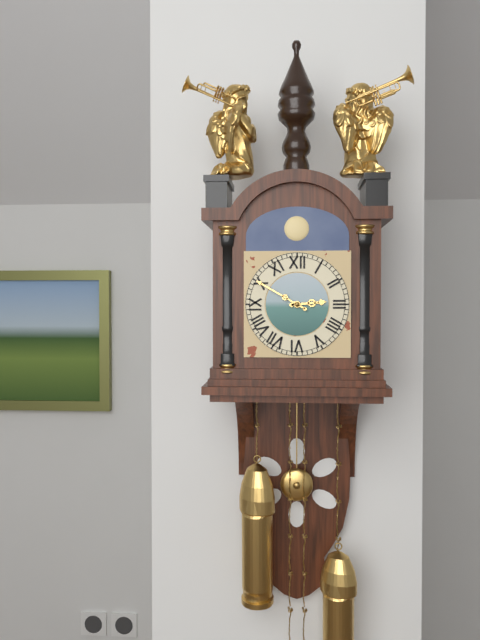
2:50
